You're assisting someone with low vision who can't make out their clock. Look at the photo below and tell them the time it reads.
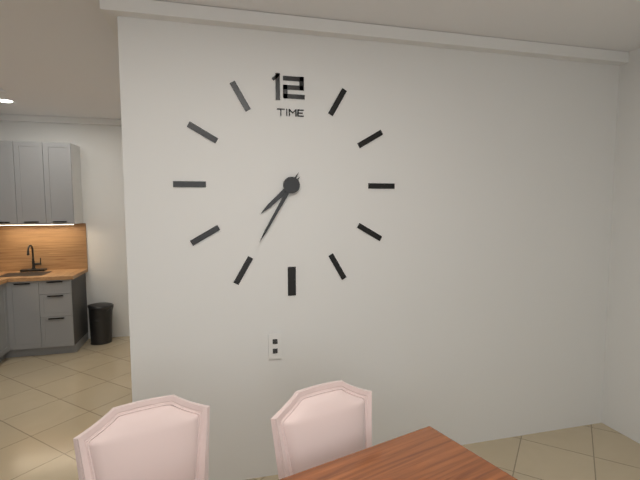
7:35
